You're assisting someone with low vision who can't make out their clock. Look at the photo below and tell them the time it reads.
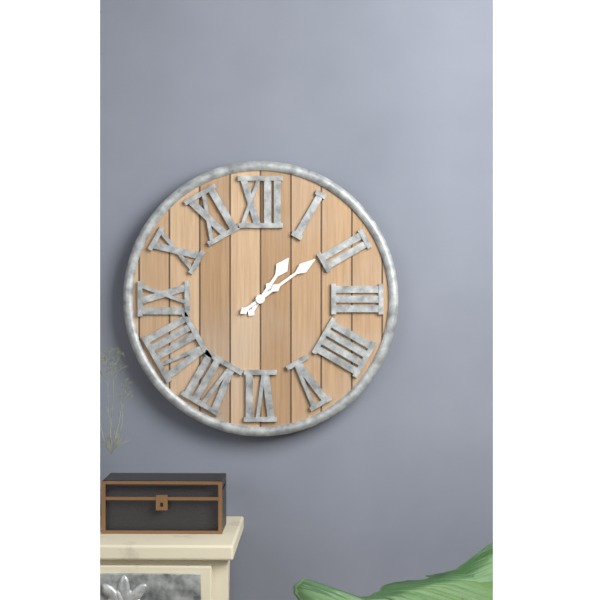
1:09
